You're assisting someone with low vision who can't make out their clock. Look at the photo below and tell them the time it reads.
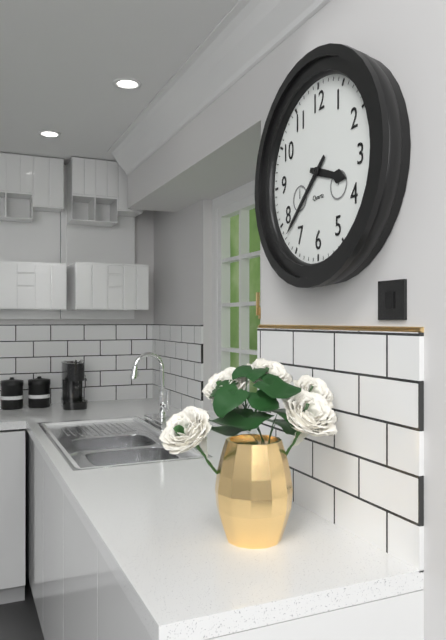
3:38
